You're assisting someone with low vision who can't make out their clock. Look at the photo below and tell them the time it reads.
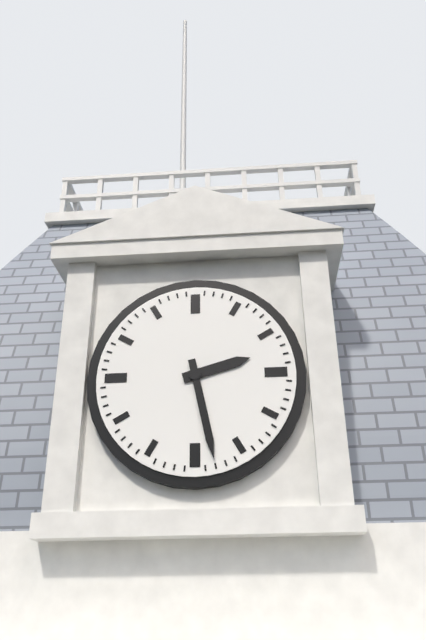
2:28
